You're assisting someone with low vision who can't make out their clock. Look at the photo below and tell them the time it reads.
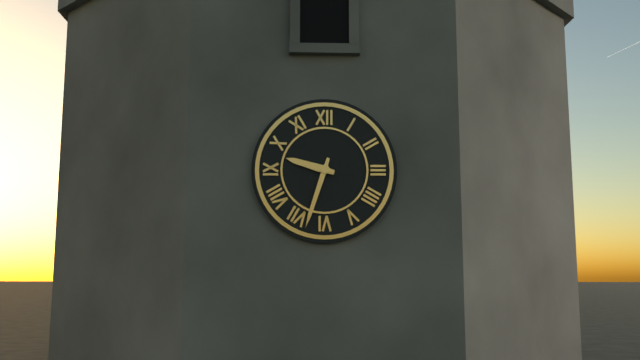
9:33
